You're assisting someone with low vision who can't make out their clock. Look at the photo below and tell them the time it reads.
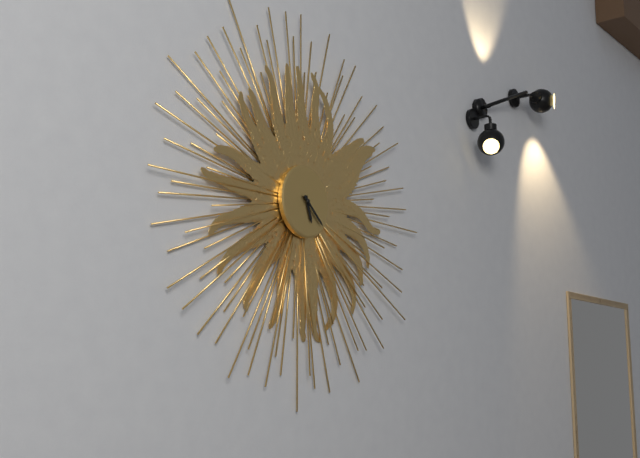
5:22
